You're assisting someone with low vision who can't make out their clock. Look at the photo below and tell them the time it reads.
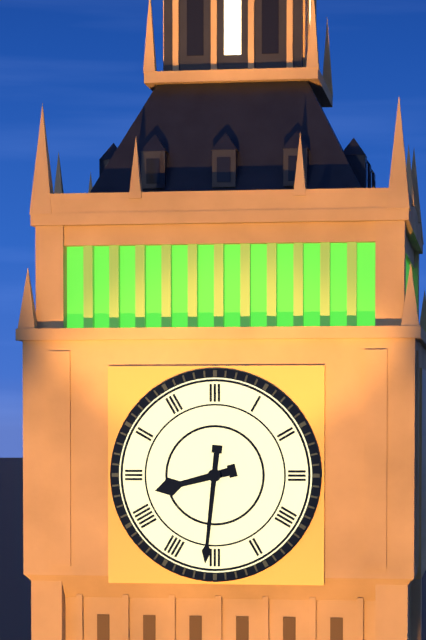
8:31
